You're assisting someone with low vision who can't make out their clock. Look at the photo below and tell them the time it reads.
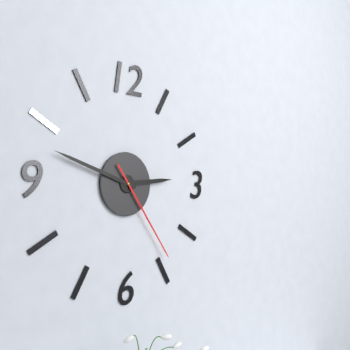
2:48:24
